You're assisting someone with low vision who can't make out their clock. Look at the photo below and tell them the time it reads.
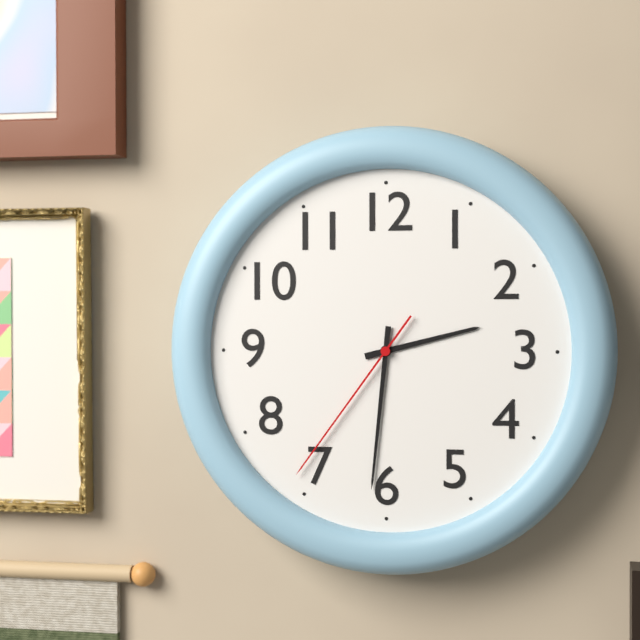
2:31:36
